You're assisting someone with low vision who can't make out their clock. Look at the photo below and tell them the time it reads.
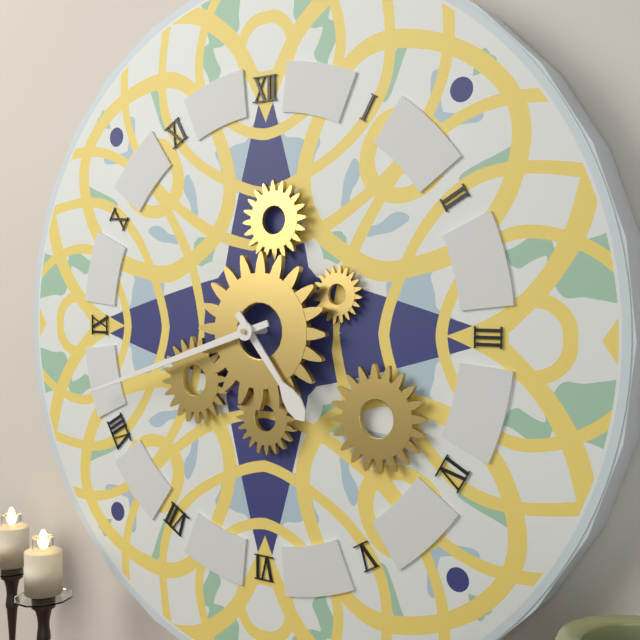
4:42
